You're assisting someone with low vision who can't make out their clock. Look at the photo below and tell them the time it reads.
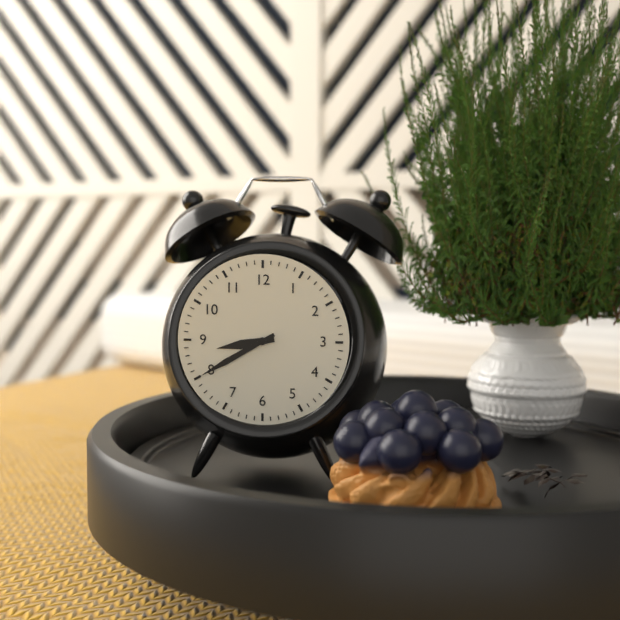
8:40
